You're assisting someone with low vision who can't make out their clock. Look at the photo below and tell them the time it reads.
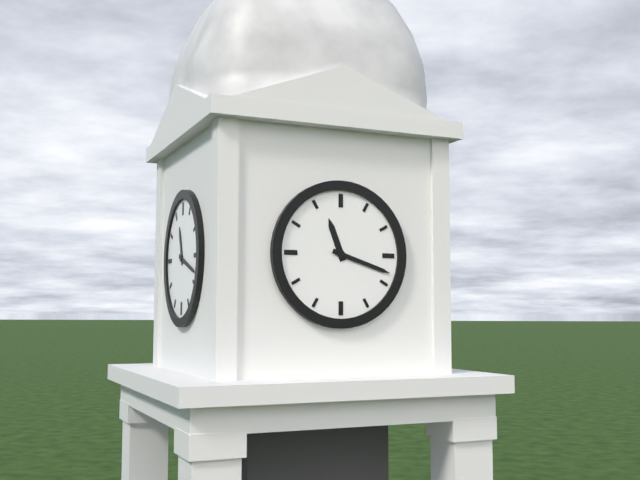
11:18
